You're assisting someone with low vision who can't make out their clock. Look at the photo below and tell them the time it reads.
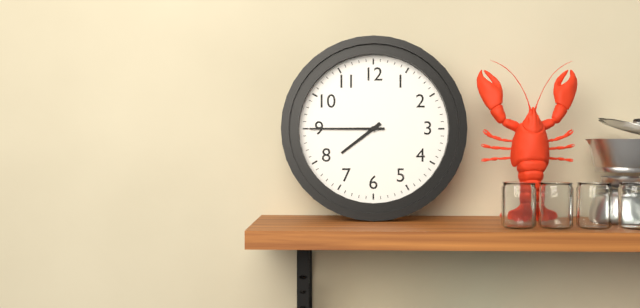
7:45
